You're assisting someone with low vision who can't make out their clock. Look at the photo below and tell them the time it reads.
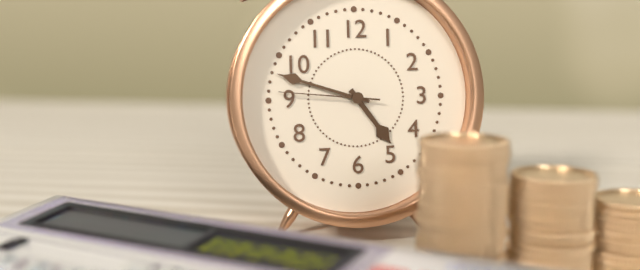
4:48:46
